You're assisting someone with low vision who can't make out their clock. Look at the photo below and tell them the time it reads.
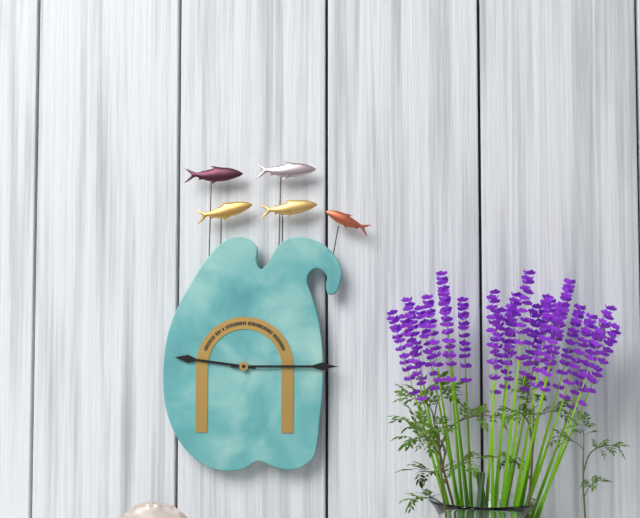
9:15
